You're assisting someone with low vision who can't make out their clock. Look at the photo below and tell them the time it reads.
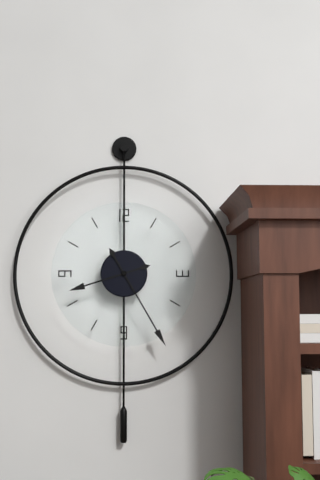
8:25
